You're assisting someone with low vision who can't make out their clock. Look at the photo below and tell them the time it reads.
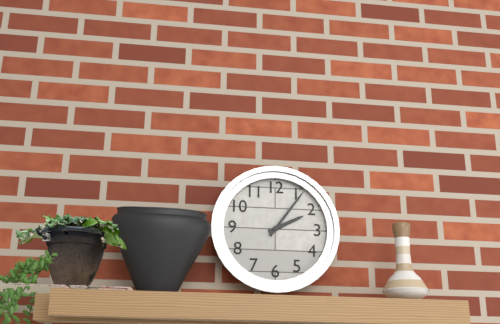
2:06
